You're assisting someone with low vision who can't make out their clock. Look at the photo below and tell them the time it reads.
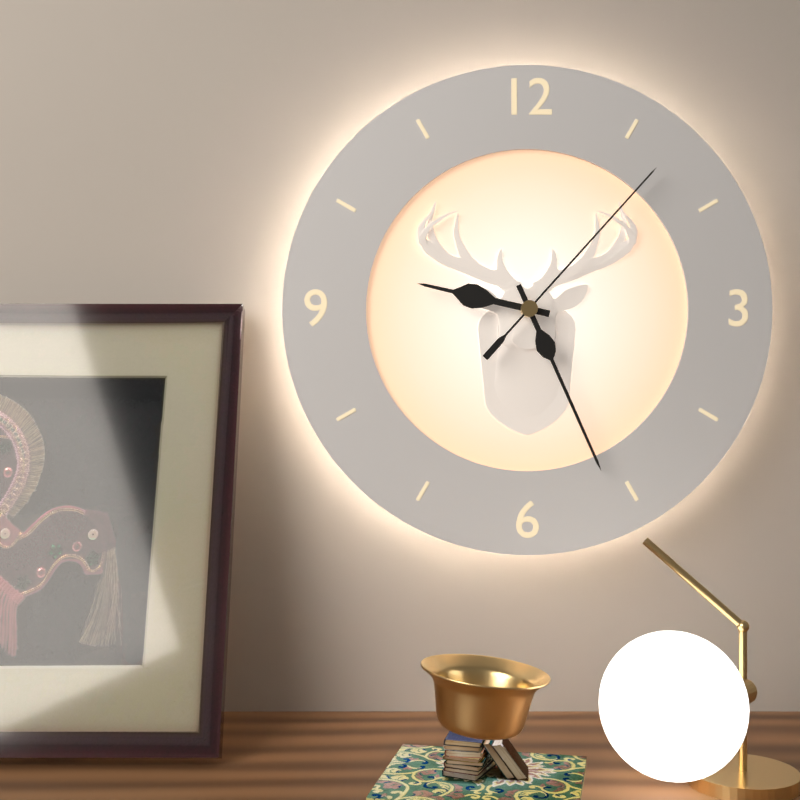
9:26:07
